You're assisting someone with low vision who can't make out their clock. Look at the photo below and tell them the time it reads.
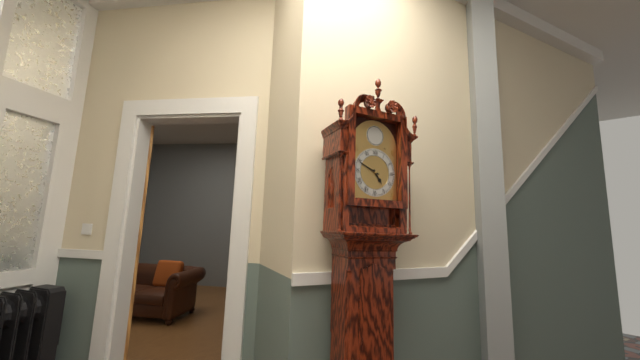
4:49
